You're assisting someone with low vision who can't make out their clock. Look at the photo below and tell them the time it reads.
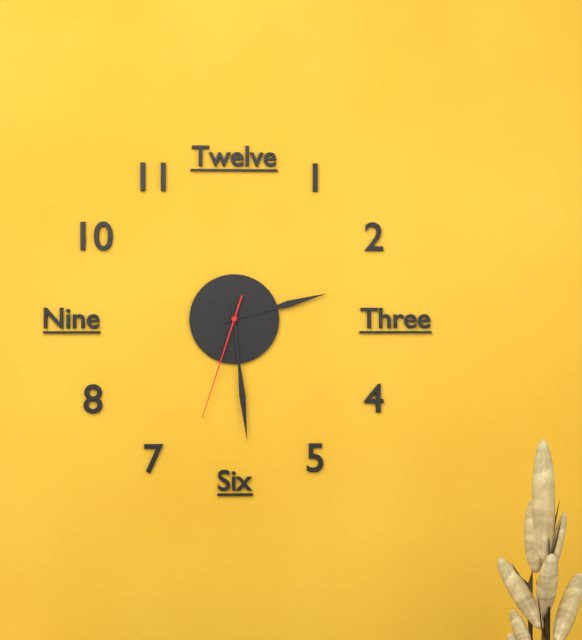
2:29:33
